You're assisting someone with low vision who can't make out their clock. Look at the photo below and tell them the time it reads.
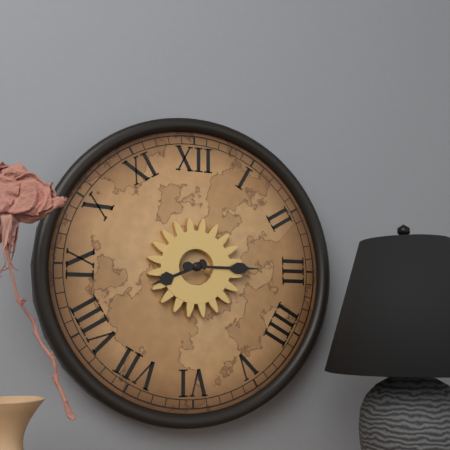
8:15
